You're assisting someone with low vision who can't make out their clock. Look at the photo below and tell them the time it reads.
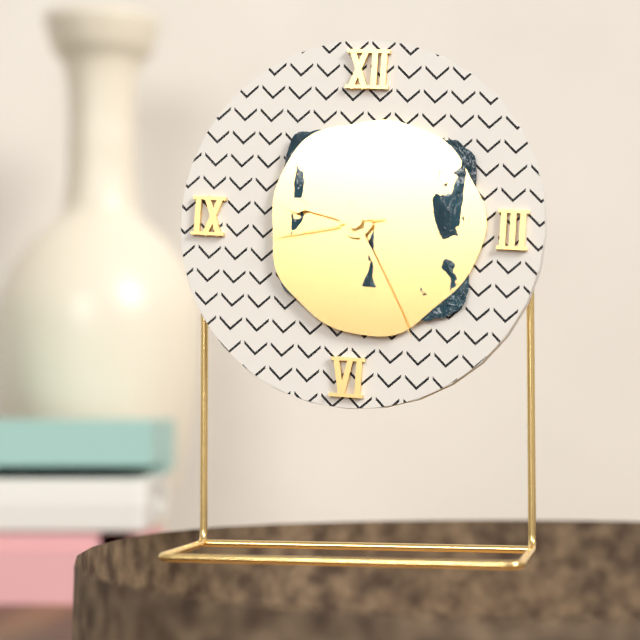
9:25:43
